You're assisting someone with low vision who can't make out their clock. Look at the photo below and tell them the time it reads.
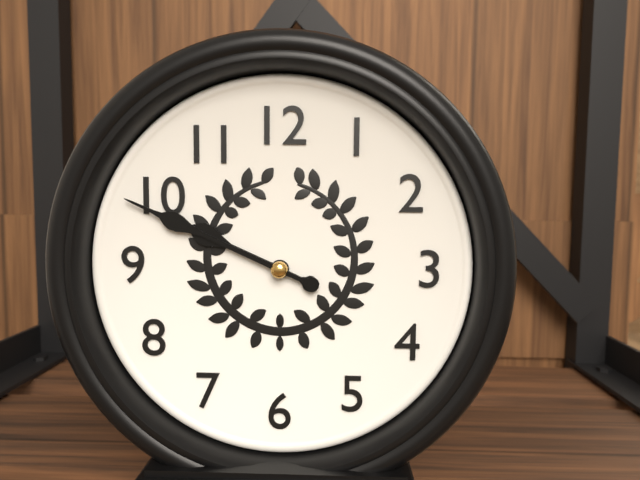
9:49
